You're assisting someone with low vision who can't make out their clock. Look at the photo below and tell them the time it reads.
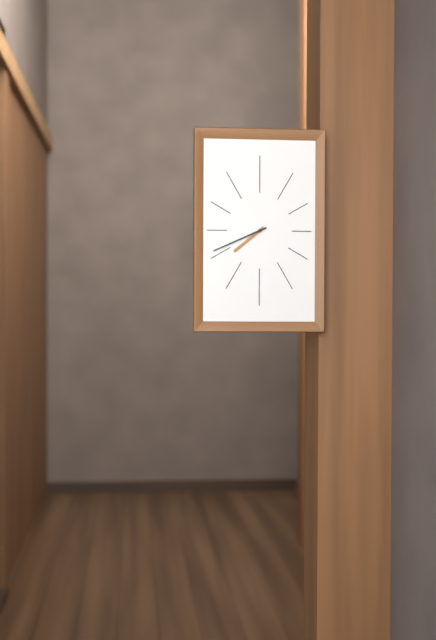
7:41
